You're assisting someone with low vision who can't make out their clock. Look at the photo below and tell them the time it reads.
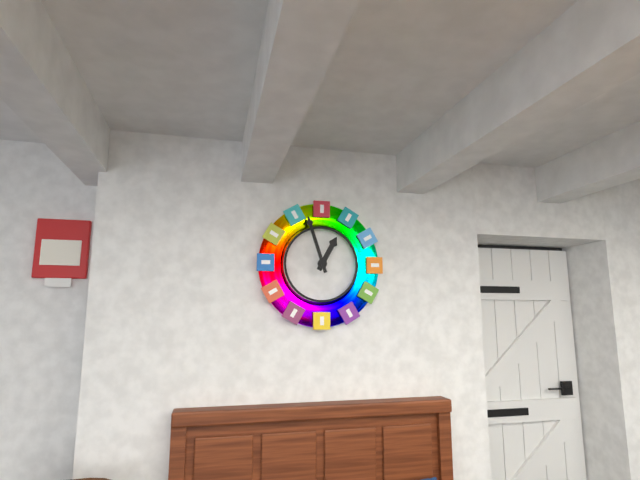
12:57
